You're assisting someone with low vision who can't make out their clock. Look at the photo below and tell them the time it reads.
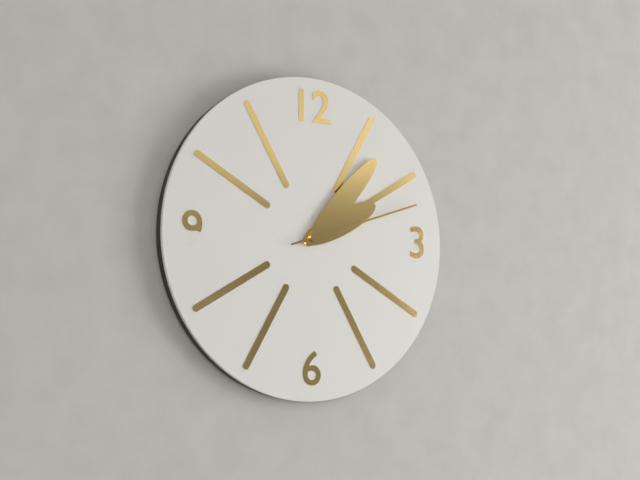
2:07:12
